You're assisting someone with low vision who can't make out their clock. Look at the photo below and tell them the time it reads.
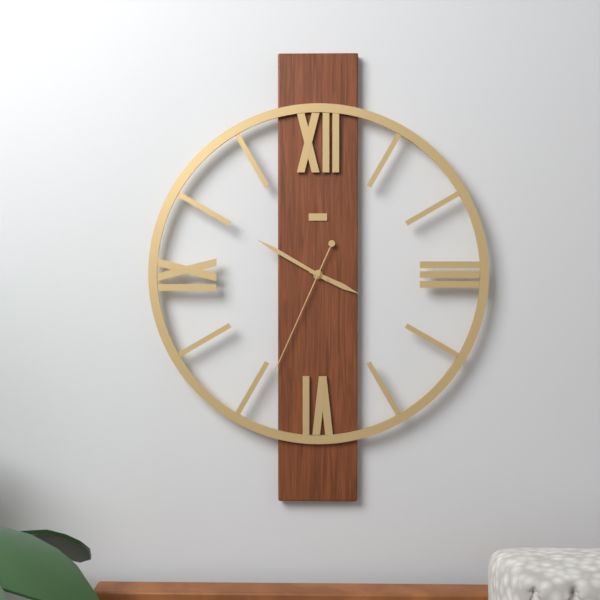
3:50:34
